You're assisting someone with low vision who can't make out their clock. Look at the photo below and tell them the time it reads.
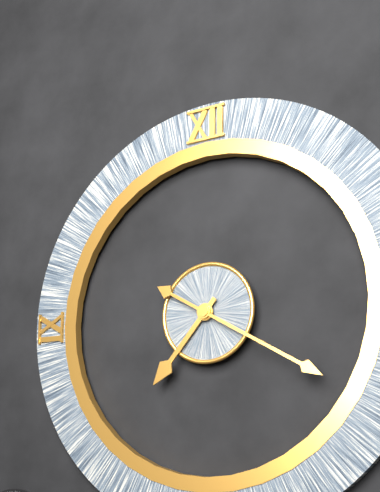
7:20
